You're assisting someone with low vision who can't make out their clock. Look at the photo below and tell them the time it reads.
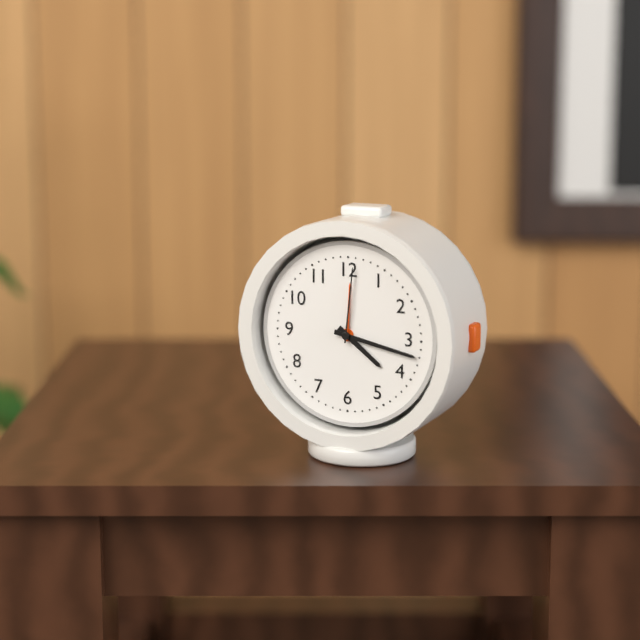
4:17:01
